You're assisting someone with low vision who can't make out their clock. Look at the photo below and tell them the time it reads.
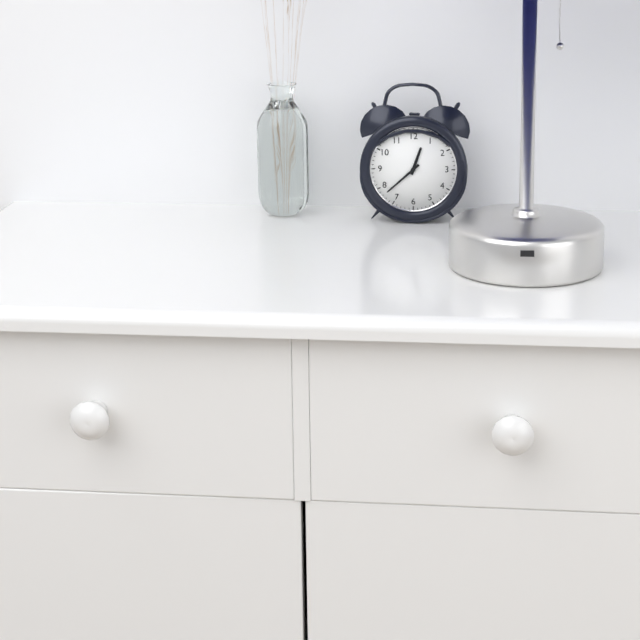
12:38
